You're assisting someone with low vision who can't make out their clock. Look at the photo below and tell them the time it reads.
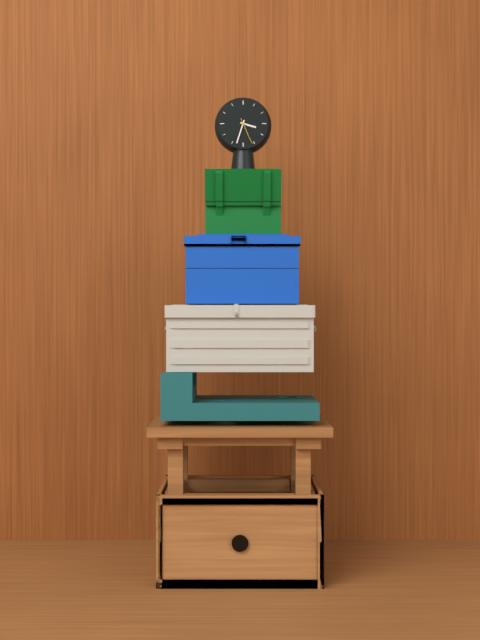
3:33
